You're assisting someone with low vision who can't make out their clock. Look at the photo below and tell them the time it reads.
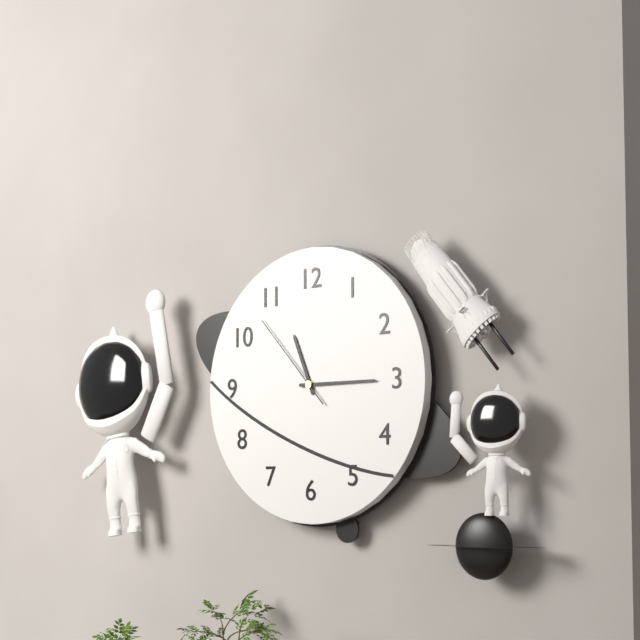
11:15:53
